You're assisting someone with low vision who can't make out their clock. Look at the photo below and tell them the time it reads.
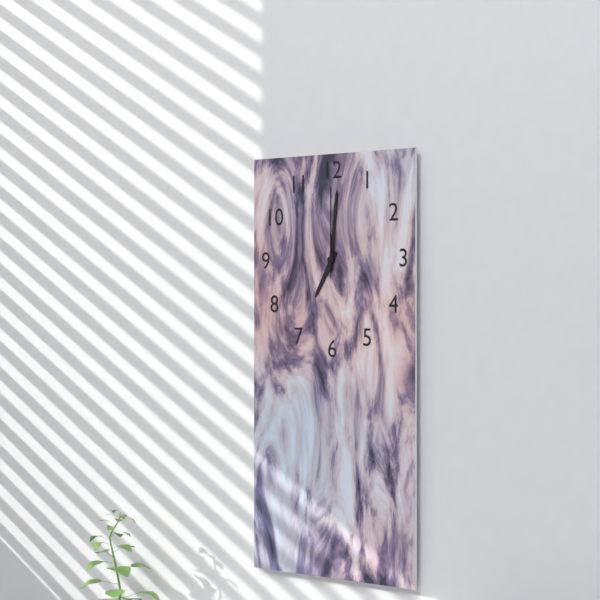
7:01:00
